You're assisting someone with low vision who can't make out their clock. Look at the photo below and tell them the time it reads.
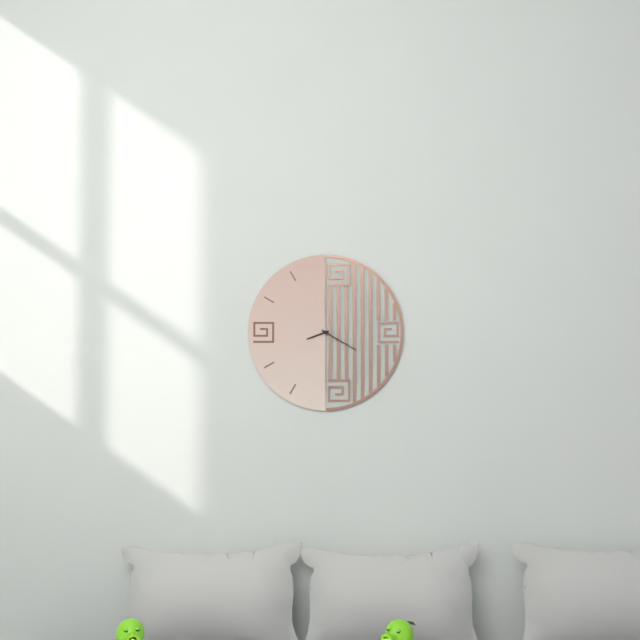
8:20
